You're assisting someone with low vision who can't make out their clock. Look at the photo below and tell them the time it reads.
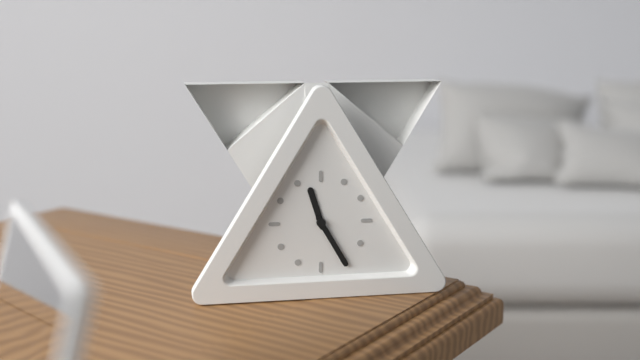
11:25
